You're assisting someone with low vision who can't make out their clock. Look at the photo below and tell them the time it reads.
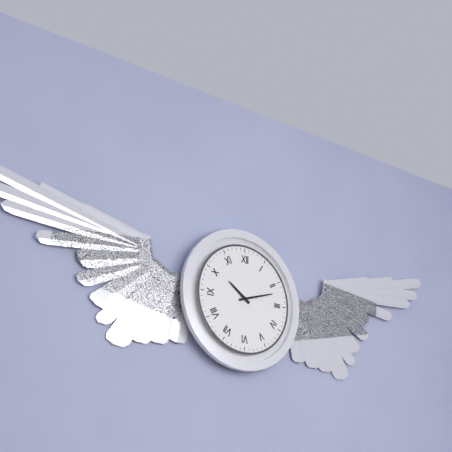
10:12
